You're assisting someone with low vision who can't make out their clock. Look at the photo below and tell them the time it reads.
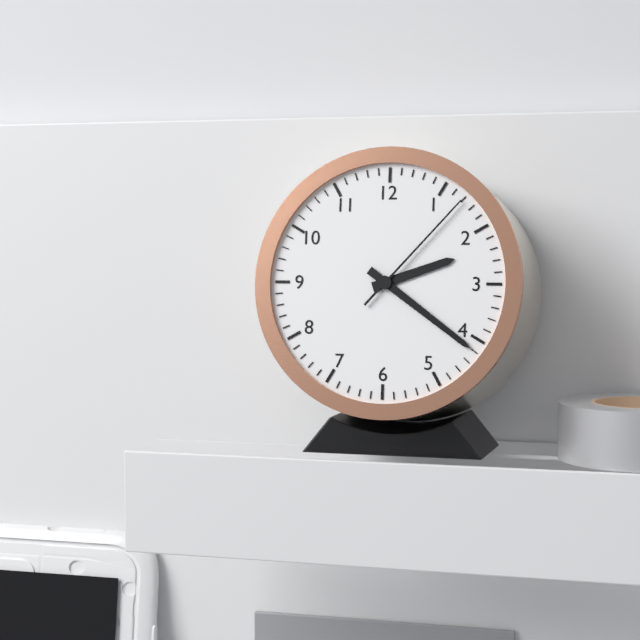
2:21:07
